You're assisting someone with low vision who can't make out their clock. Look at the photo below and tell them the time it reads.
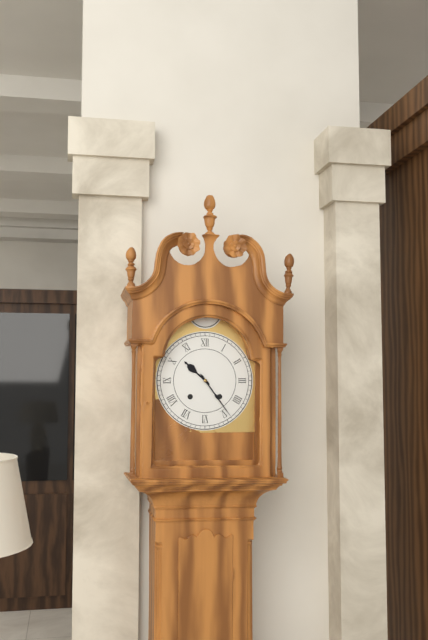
10:24
